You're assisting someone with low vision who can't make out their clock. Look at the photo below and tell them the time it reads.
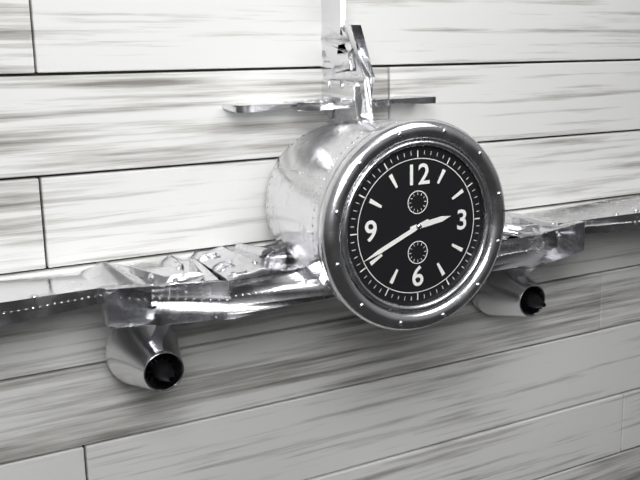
2:41
